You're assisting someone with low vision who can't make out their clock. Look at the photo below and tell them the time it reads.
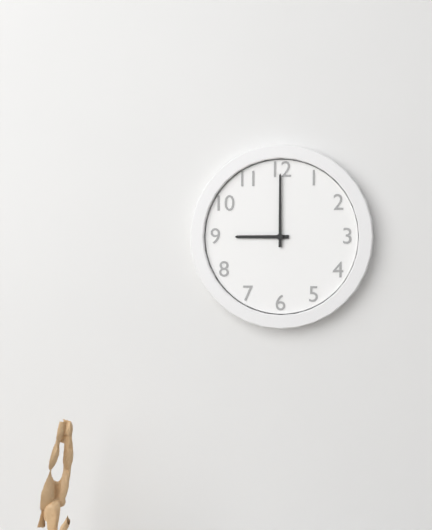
9:00
